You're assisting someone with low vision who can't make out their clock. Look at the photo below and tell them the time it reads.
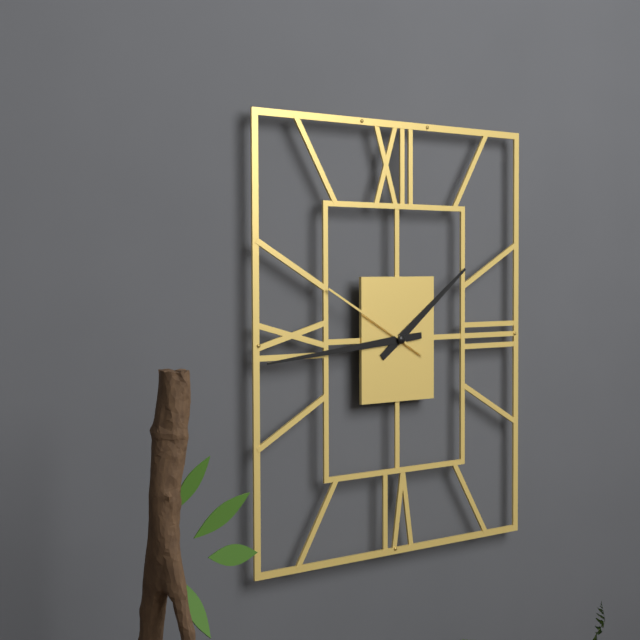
1:44:50
